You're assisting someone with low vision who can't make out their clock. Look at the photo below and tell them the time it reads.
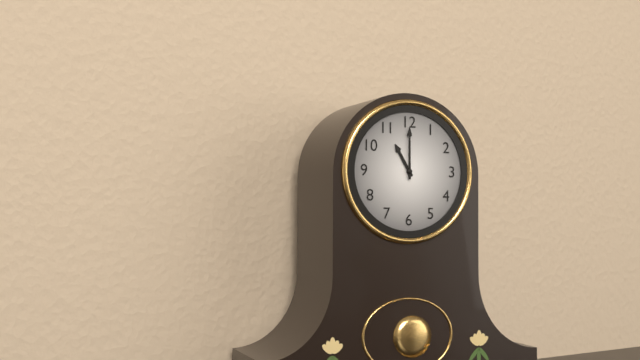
11:00
